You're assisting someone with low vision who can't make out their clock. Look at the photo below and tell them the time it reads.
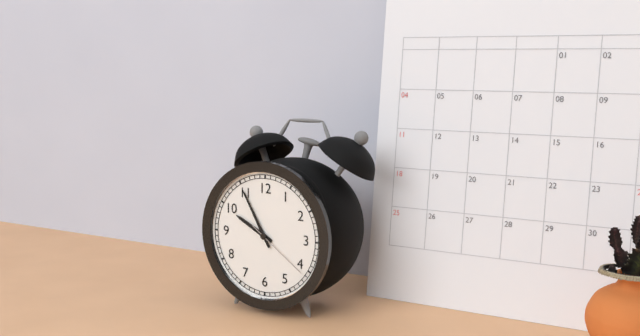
9:55:21
